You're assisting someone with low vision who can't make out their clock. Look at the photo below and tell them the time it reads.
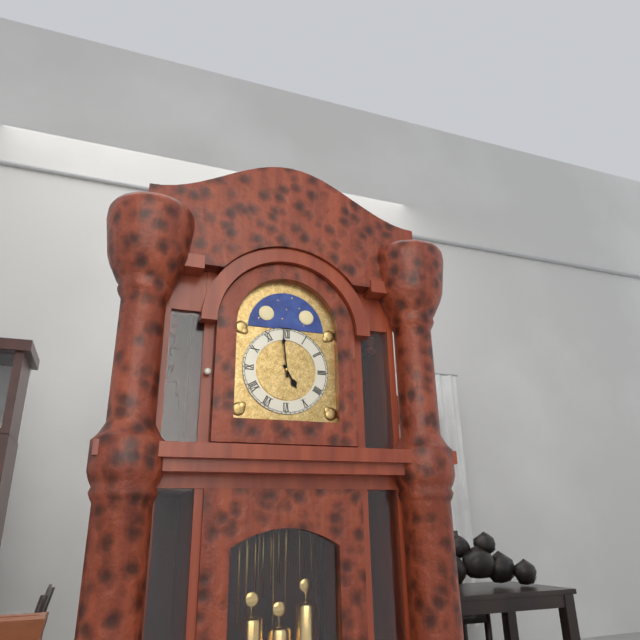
4:59
